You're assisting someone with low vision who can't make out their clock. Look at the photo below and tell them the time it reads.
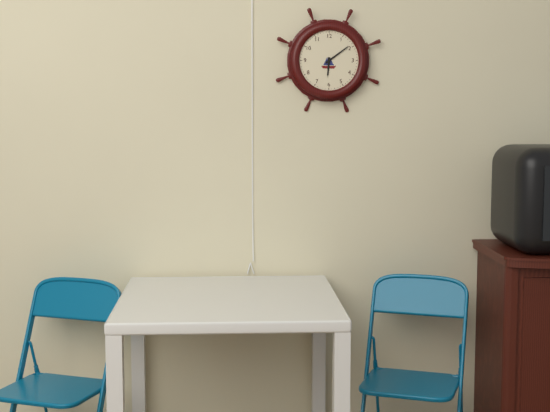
6:09
